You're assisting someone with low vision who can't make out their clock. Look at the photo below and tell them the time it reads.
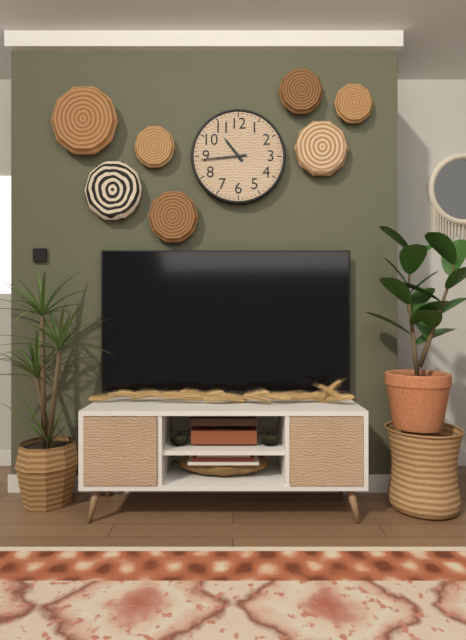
10:44
